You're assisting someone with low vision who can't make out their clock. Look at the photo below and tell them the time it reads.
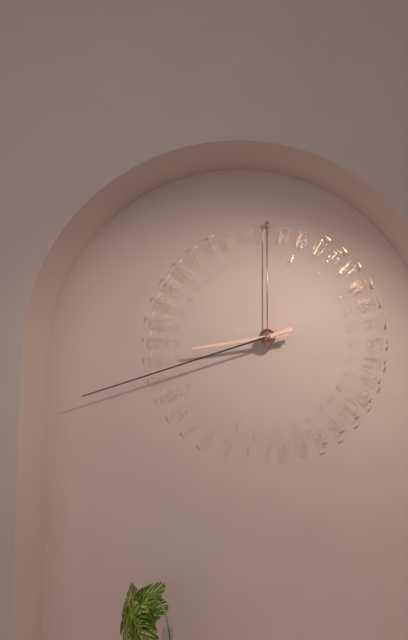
8:42
